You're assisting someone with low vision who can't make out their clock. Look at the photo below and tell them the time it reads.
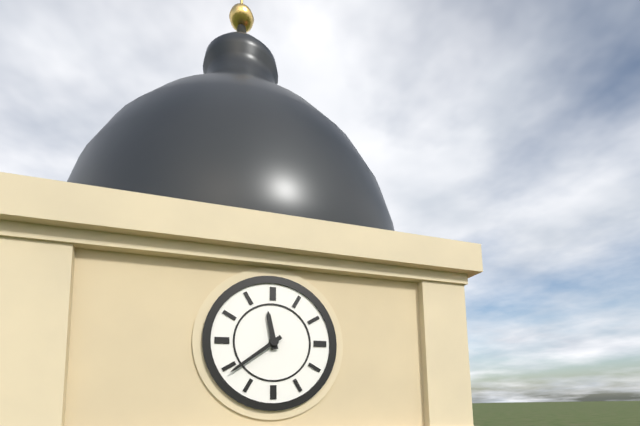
11:39
